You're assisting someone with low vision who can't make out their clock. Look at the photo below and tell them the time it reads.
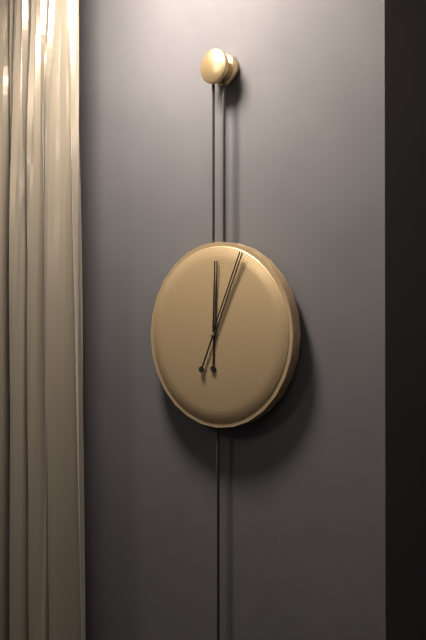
12:04
